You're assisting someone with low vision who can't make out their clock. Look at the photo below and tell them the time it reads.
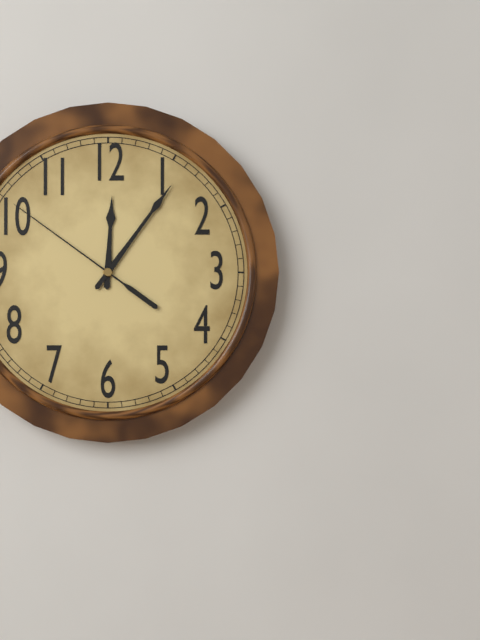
12:06:51
